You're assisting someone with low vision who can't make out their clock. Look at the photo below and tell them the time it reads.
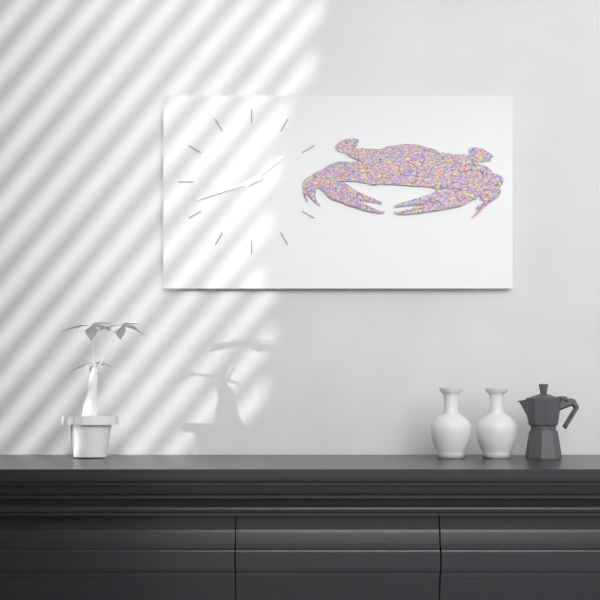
1:42
